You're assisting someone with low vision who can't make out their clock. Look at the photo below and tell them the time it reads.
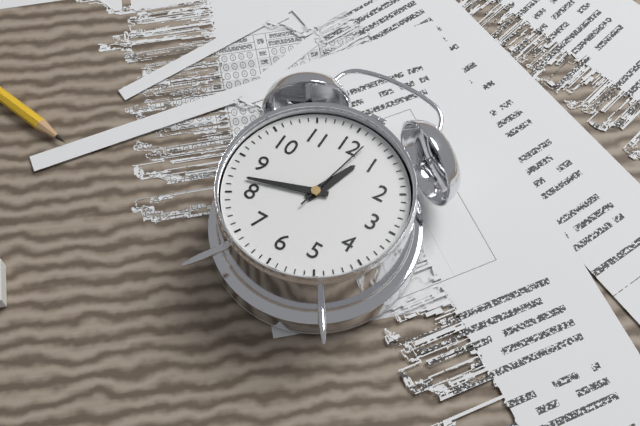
12:42:02
